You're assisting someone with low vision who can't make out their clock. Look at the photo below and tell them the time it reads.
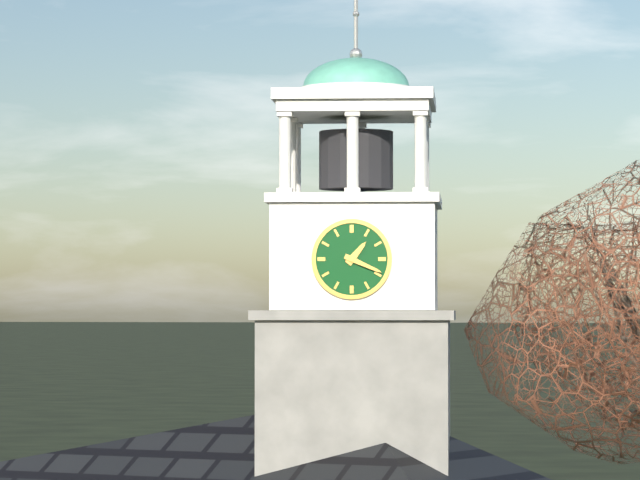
1:19
